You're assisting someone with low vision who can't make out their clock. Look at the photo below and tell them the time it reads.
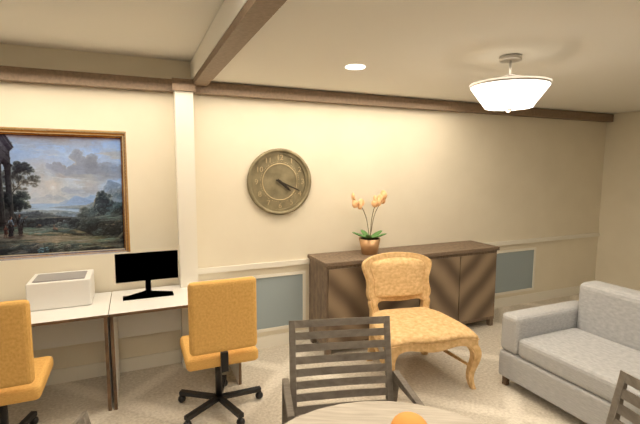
4:19
